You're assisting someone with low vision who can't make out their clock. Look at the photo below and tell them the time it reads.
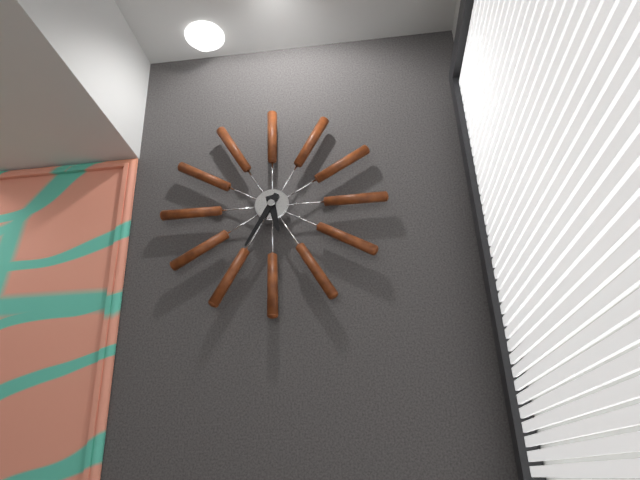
5:35
